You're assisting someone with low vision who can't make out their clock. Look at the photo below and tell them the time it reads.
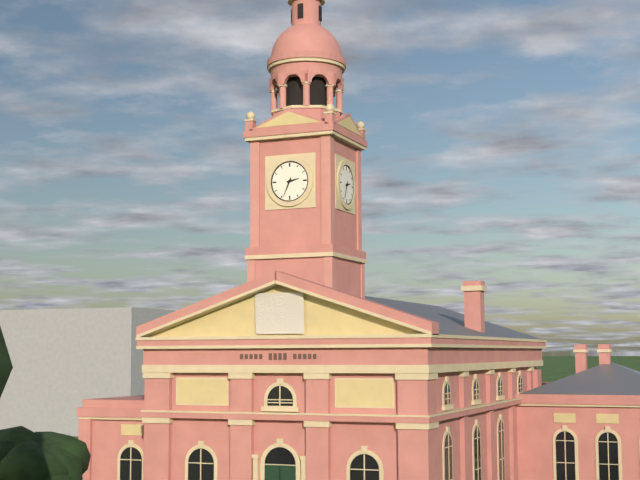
2:34
